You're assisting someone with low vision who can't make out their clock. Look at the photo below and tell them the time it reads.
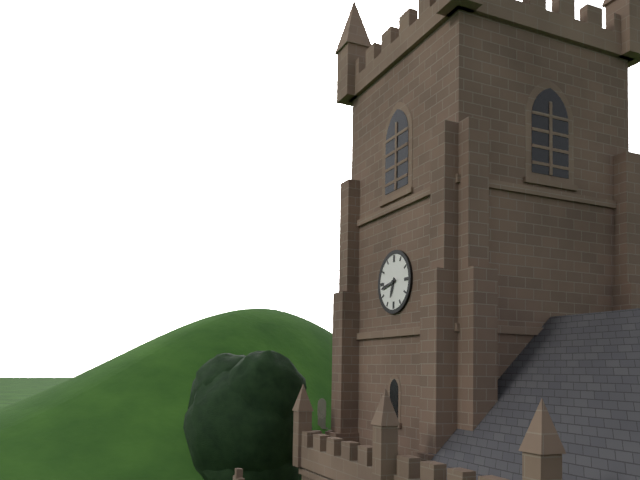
6:43
